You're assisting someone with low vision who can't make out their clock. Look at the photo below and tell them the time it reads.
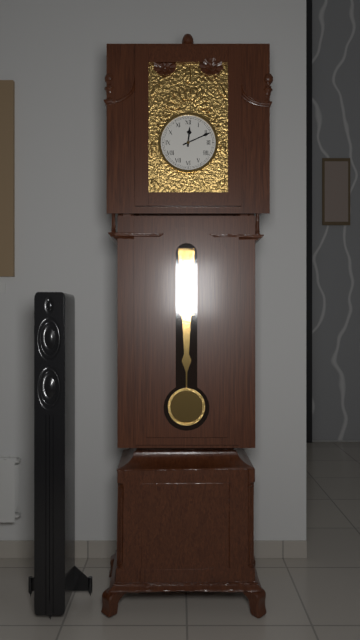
12:11
